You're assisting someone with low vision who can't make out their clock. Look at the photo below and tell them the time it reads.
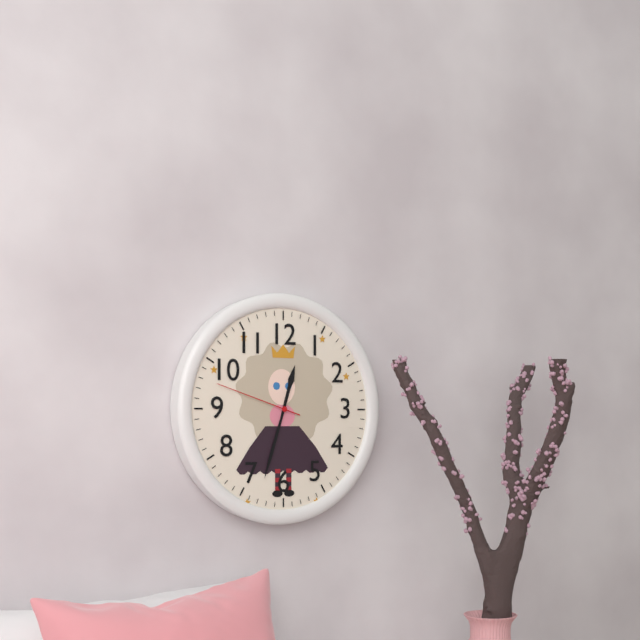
12:33:48
